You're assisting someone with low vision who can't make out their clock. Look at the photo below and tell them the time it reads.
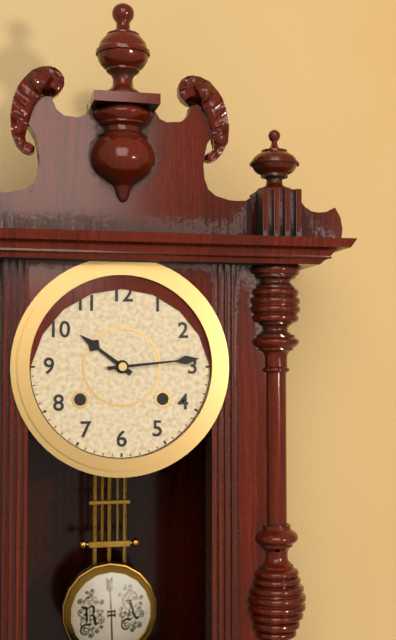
10:14
